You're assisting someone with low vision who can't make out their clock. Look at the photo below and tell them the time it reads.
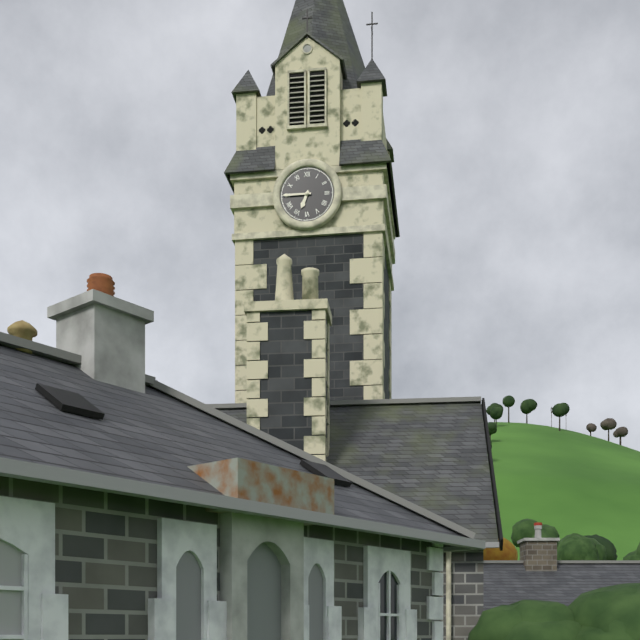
6:45
